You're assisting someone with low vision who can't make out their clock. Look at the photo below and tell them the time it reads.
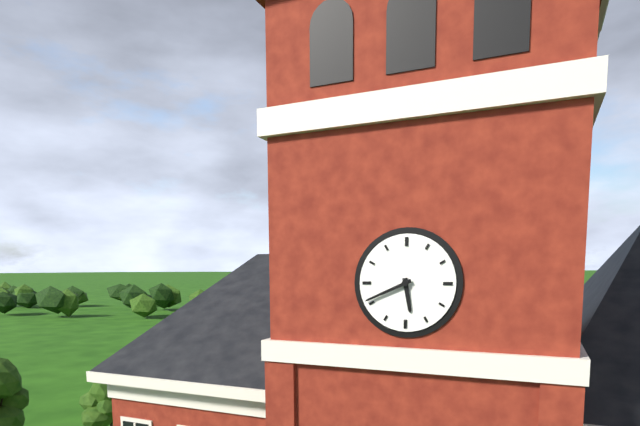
5:41
